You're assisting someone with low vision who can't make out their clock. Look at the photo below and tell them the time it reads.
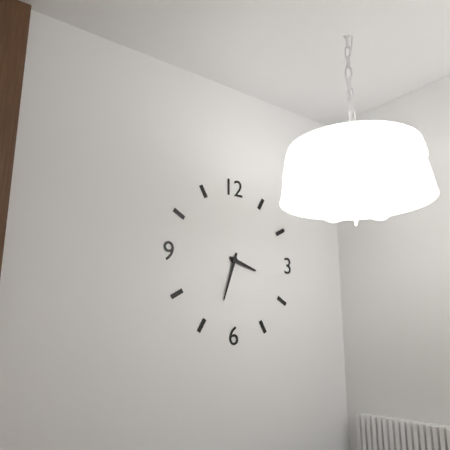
3:33
